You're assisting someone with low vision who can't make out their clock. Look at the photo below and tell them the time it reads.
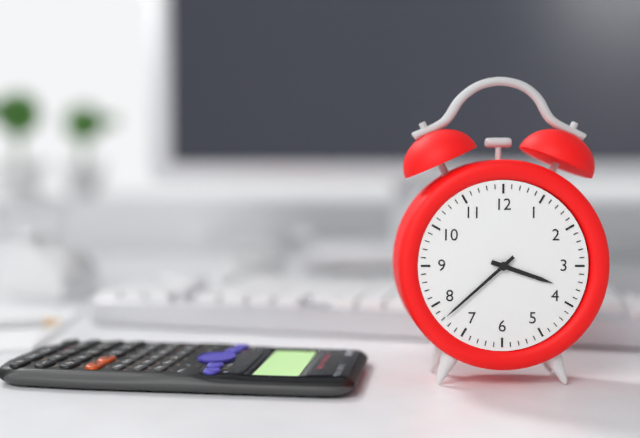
3:38
